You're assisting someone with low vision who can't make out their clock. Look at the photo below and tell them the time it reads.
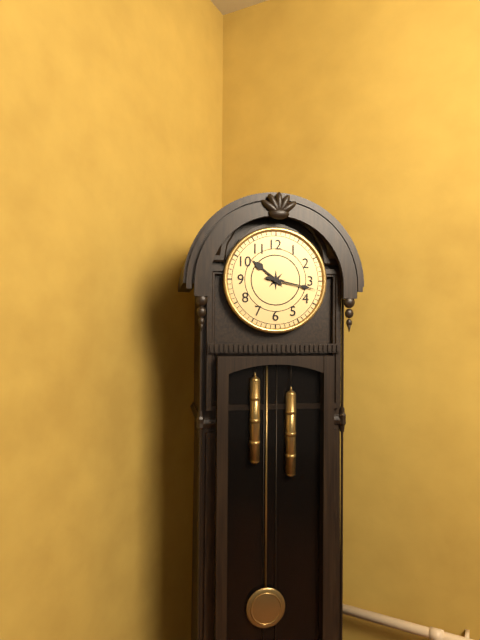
10:17
